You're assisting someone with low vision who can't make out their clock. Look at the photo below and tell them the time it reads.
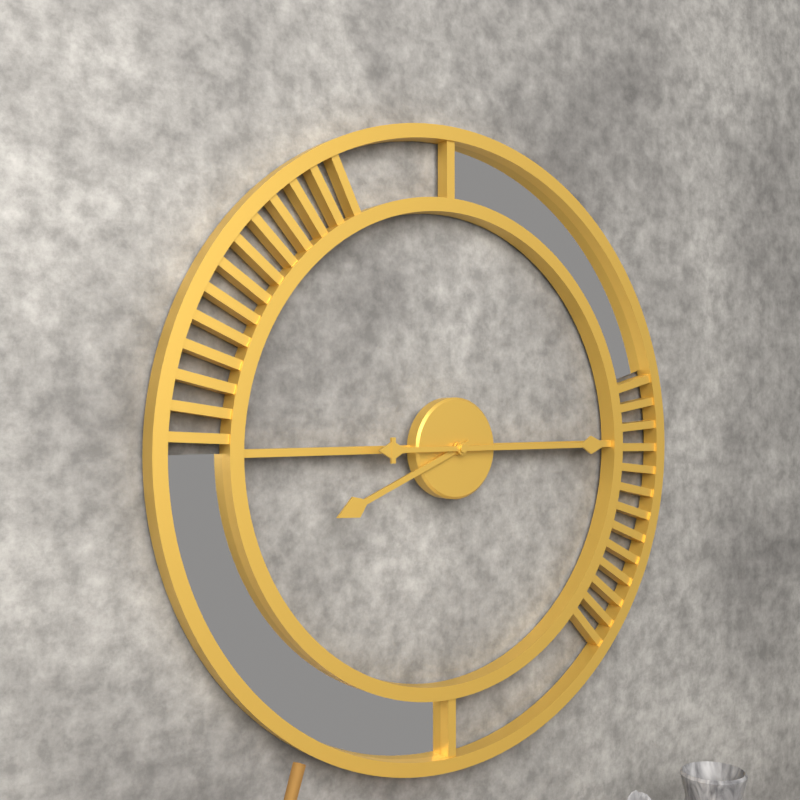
8:15
